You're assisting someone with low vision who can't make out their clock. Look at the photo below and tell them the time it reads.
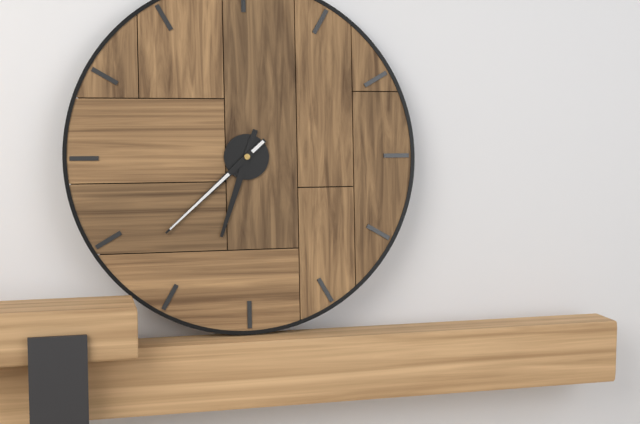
6:38
